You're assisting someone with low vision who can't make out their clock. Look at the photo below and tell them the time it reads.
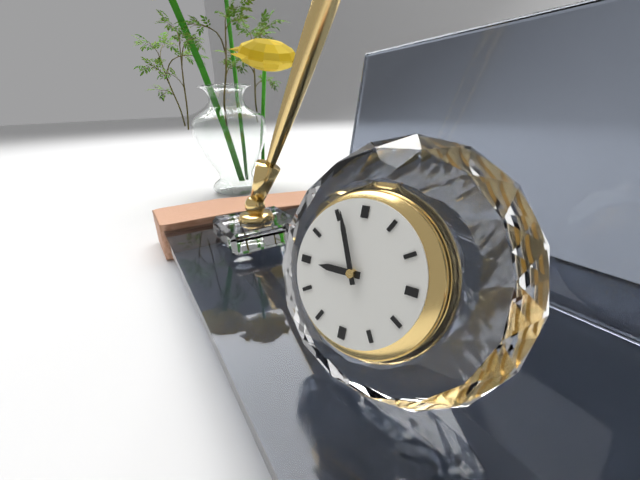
8:56
